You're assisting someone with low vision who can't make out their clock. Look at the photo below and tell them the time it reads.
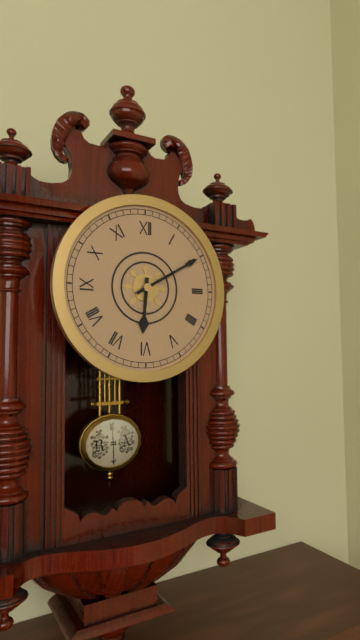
6:10
